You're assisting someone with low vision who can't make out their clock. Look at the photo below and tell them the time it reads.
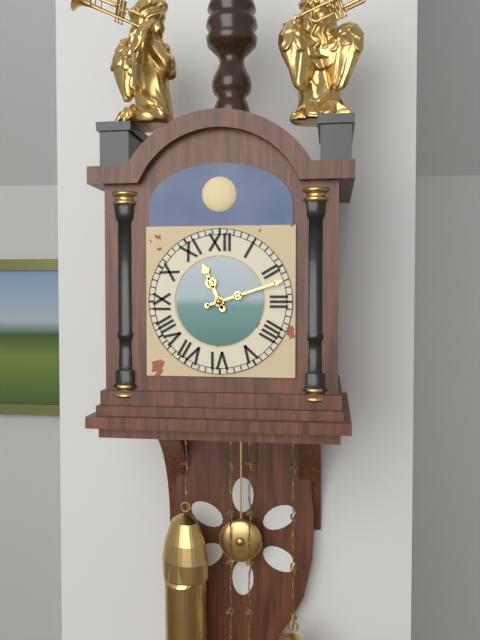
11:12
